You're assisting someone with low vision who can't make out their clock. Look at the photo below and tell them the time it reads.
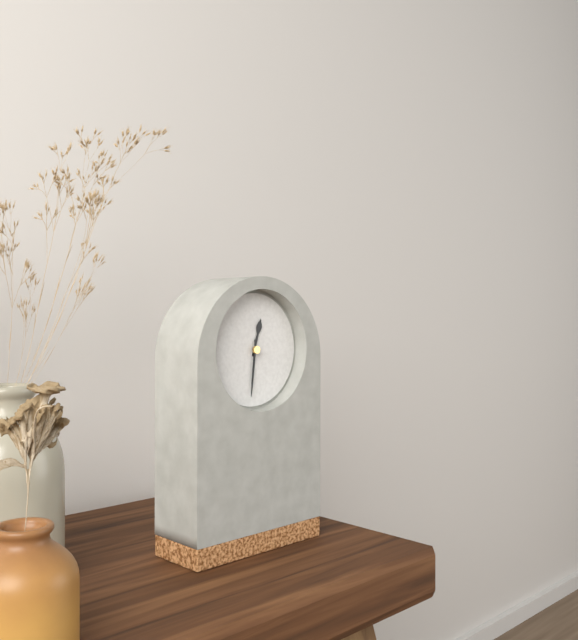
12:31
